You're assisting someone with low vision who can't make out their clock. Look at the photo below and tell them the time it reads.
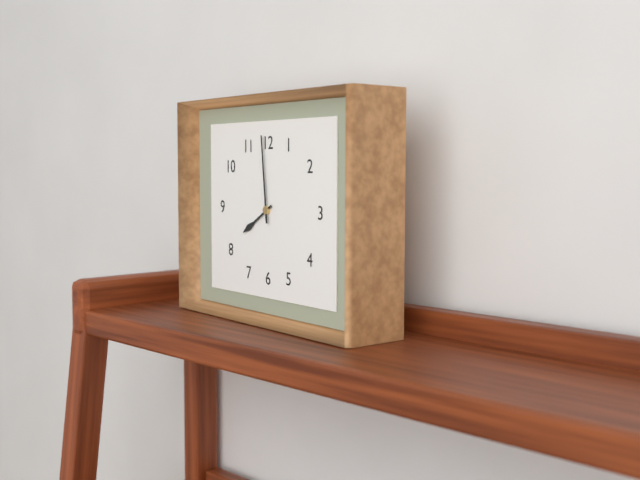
7:59
